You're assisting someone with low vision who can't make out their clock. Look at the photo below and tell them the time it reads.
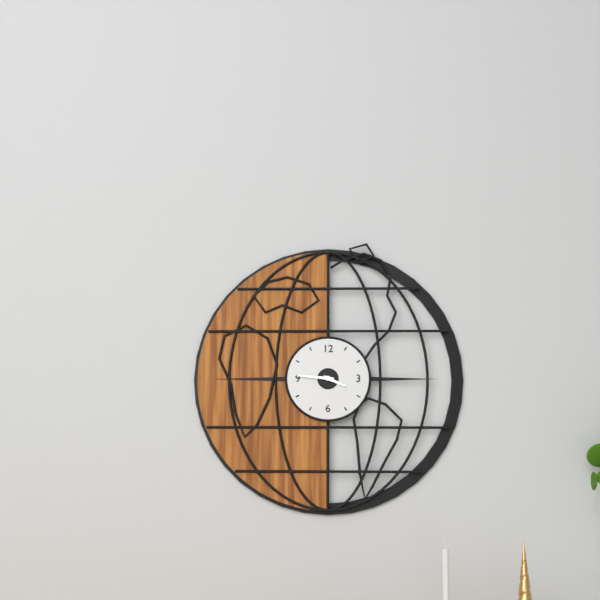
3:46
